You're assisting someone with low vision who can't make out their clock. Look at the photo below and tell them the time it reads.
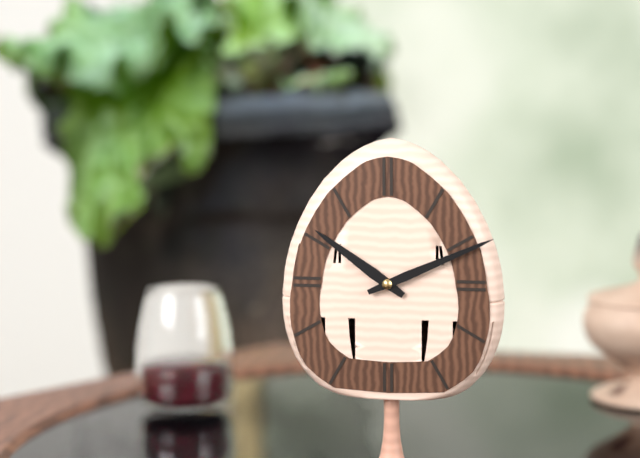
10:11
